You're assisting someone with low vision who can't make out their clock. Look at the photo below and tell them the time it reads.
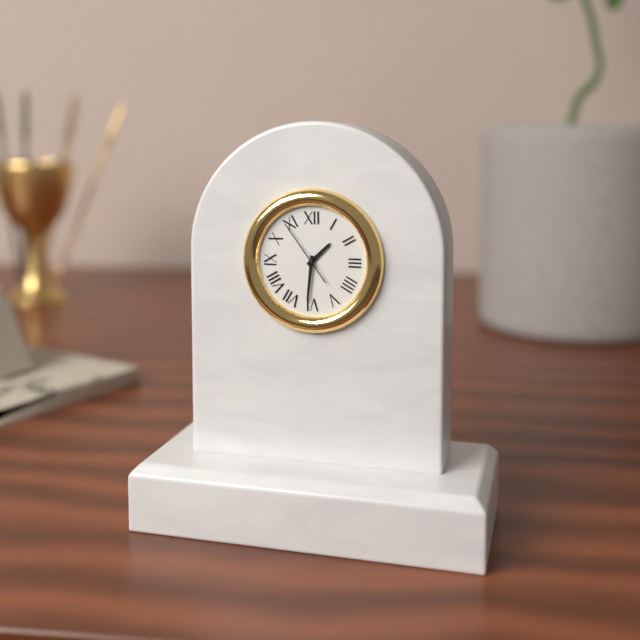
1:31:54
